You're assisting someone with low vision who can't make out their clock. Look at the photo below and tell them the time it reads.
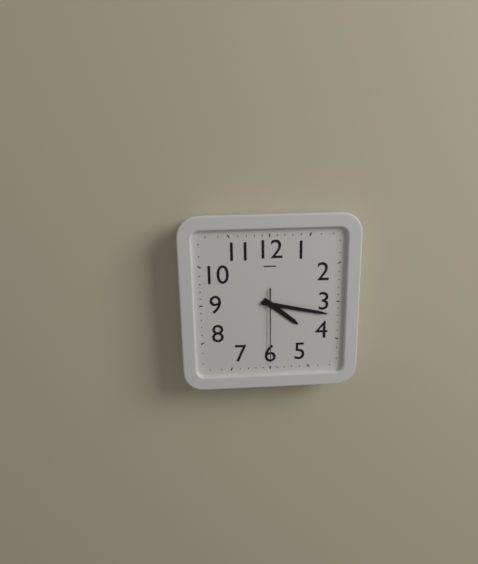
4:17:30
